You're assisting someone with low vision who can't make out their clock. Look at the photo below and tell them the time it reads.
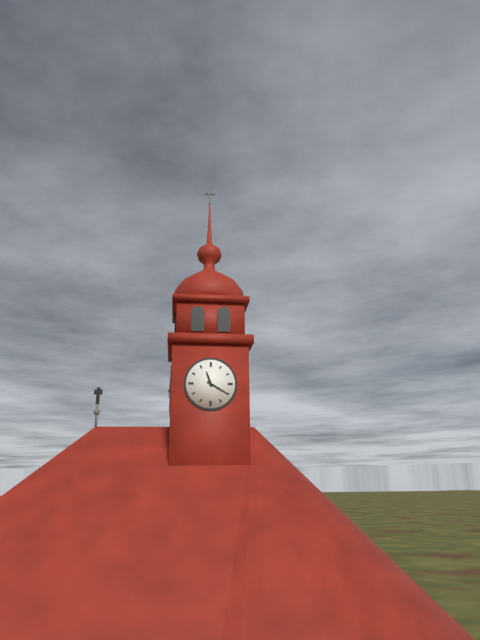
11:20
